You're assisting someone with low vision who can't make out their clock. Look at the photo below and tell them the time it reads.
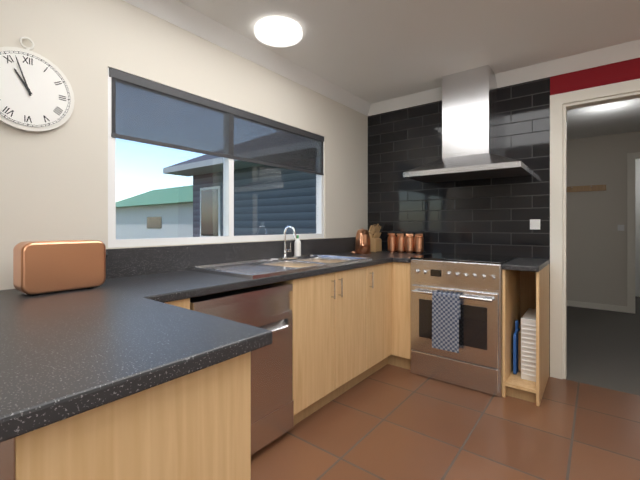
10:57
